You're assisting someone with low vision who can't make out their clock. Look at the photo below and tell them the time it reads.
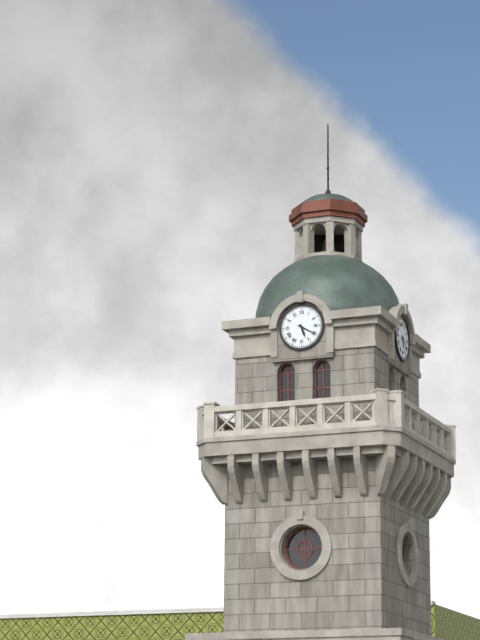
5:20
